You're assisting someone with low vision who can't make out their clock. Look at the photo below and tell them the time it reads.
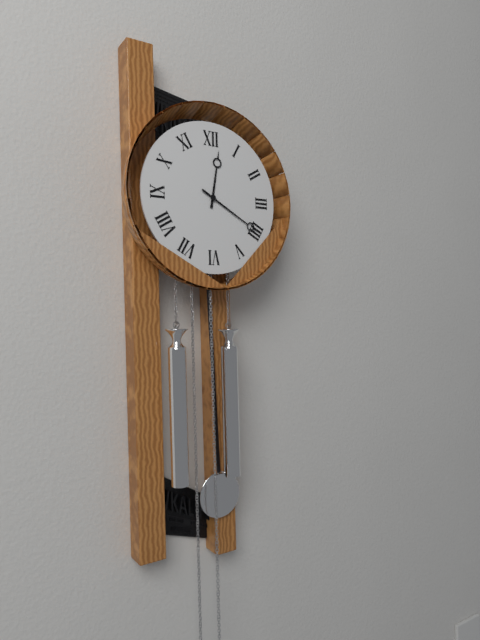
12:20
